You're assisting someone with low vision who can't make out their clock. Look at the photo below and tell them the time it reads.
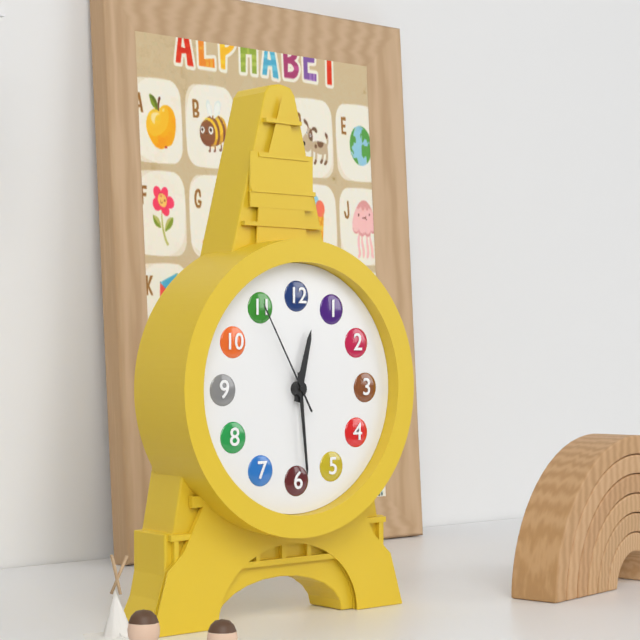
12:29:55
